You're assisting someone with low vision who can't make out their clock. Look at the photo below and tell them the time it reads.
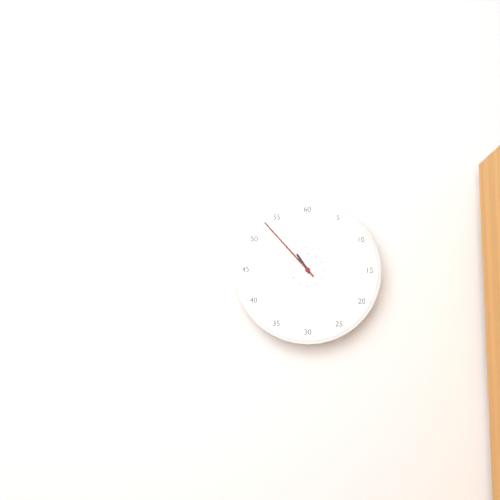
10:53
